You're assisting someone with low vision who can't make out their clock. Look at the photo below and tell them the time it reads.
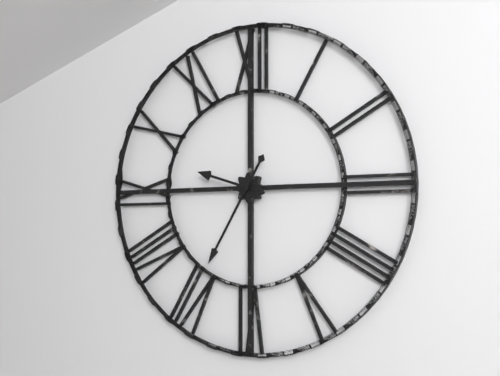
9:35
